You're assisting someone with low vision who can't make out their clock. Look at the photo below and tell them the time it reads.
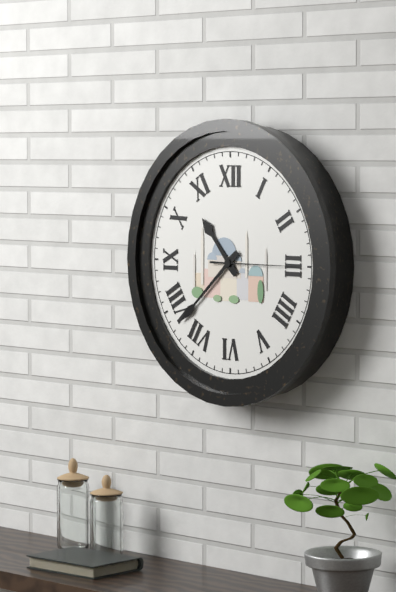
10:38:15
